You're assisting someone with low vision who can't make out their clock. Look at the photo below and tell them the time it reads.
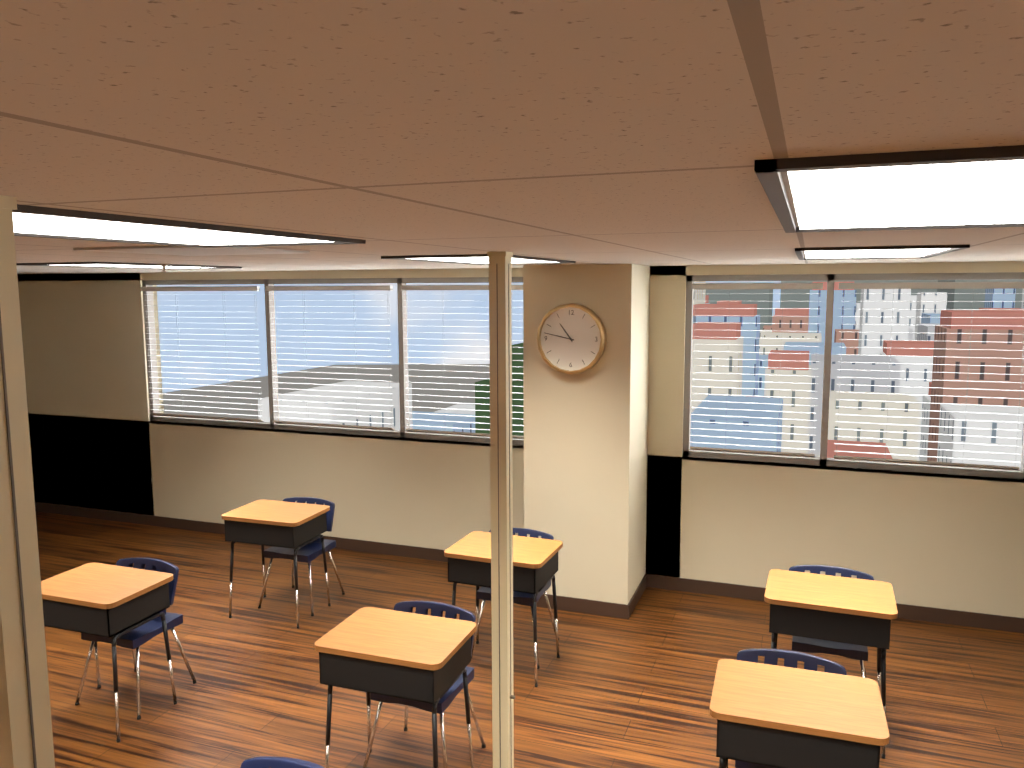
10:47
